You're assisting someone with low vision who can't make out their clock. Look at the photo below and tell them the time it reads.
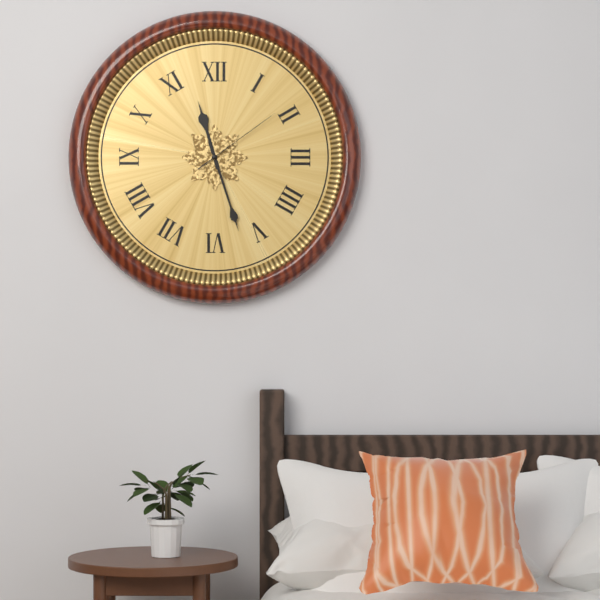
11:27:09
